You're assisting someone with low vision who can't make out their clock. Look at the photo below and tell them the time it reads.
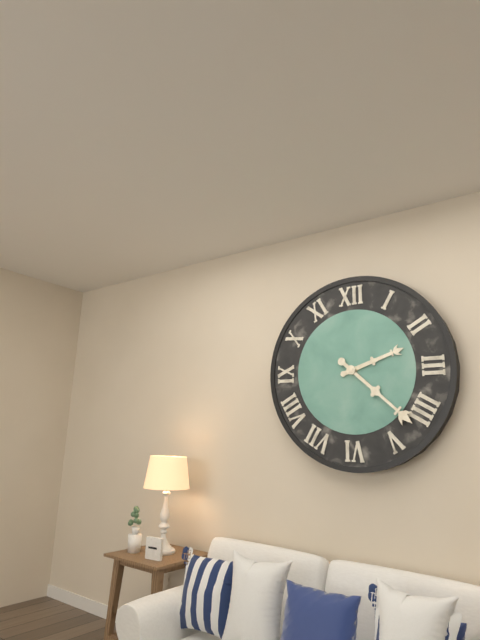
2:22
